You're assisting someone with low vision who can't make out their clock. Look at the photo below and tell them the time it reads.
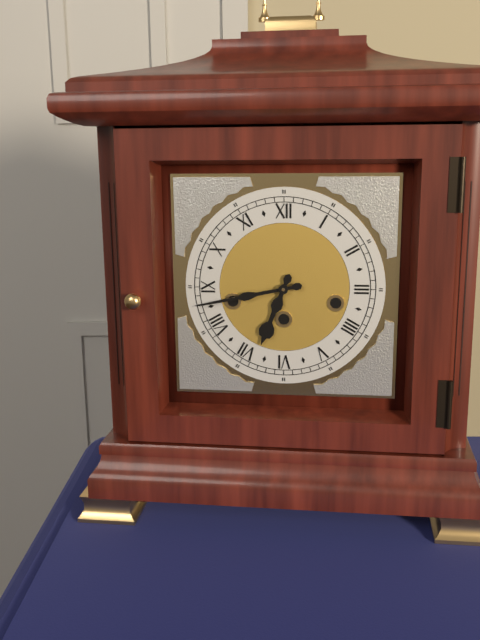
6:43
